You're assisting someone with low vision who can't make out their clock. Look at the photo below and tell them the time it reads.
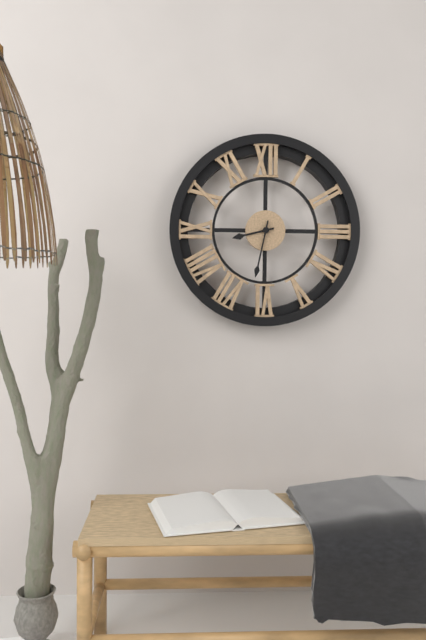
8:32
